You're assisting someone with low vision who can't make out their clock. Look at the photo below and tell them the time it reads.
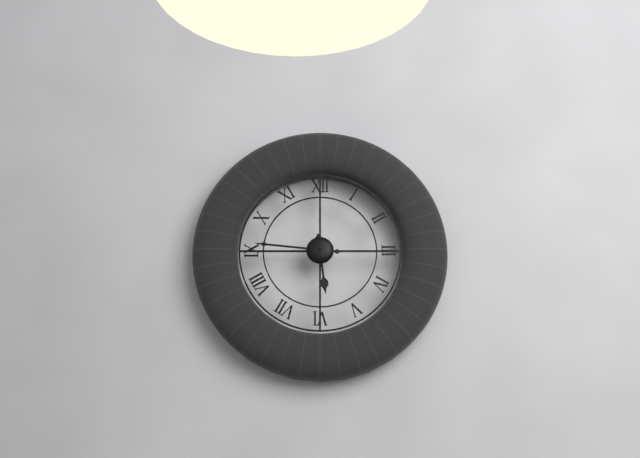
5:46
